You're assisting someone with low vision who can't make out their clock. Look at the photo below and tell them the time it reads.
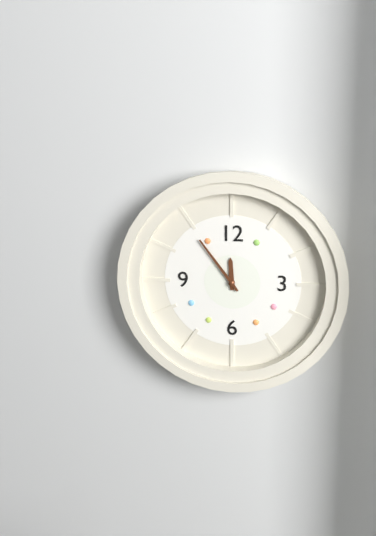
11:54
